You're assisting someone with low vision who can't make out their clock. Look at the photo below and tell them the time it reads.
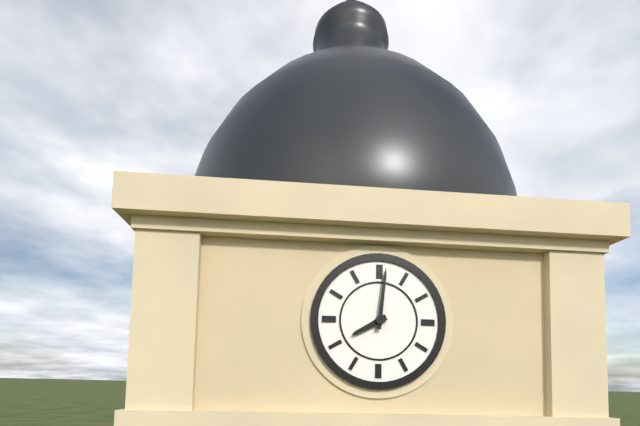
8:01
